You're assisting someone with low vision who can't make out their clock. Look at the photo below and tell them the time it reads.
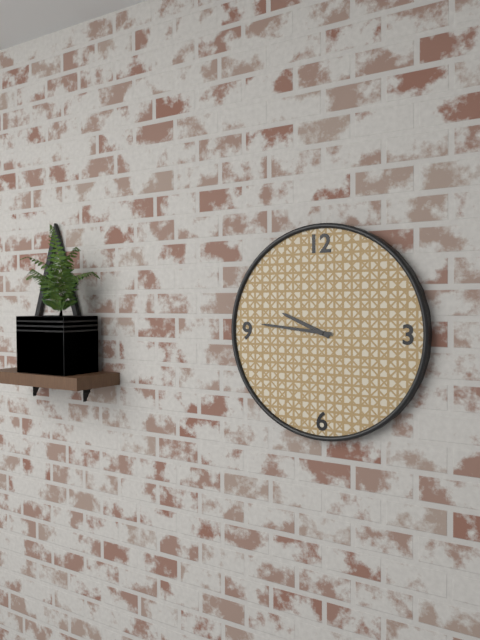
9:46
